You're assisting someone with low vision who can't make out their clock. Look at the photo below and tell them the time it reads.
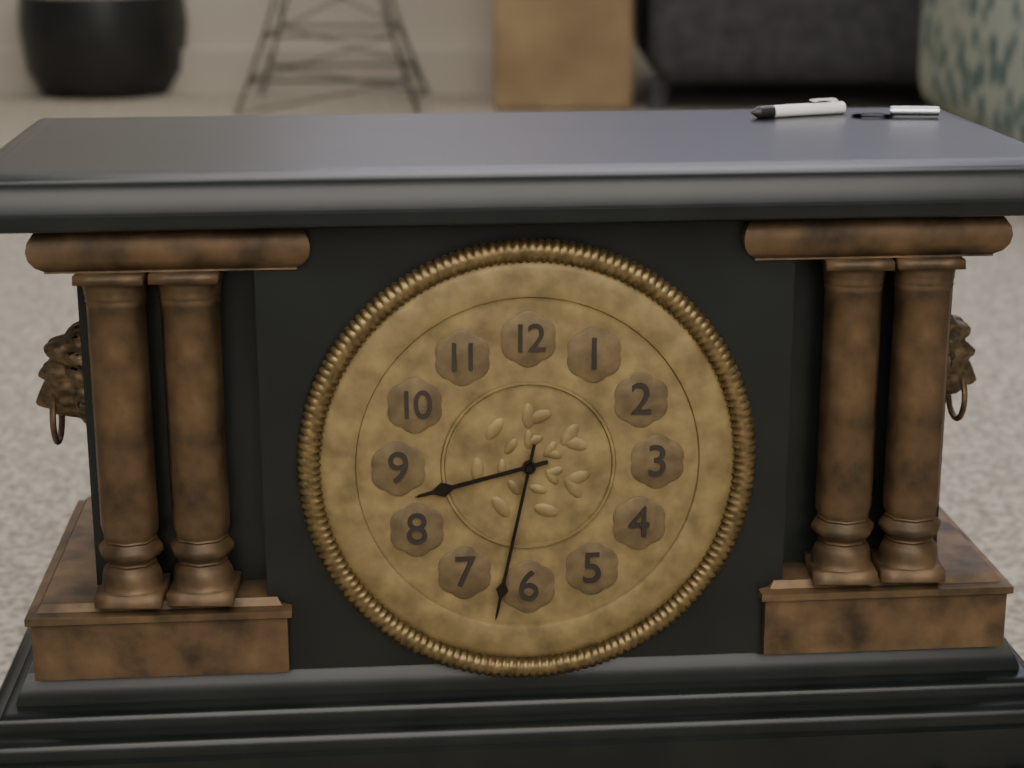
8:32
